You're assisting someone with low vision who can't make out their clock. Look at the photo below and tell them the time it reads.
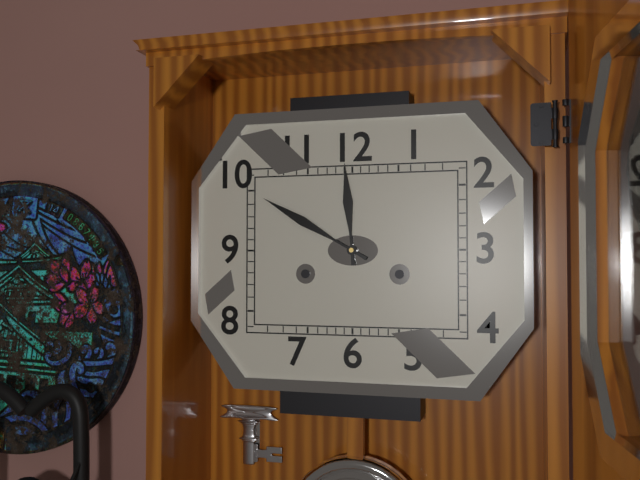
11:50
